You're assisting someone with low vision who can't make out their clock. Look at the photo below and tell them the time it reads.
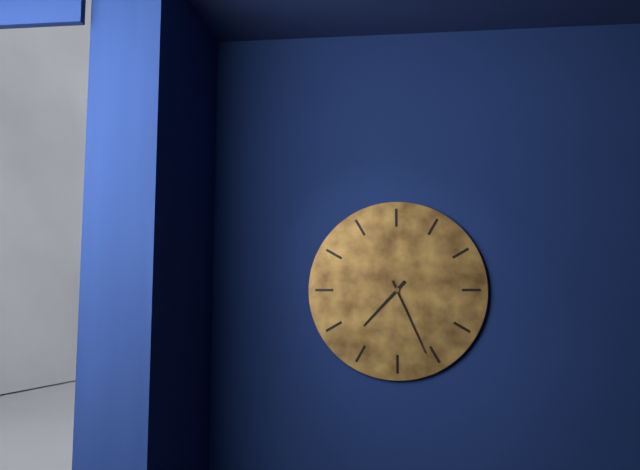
7:26
